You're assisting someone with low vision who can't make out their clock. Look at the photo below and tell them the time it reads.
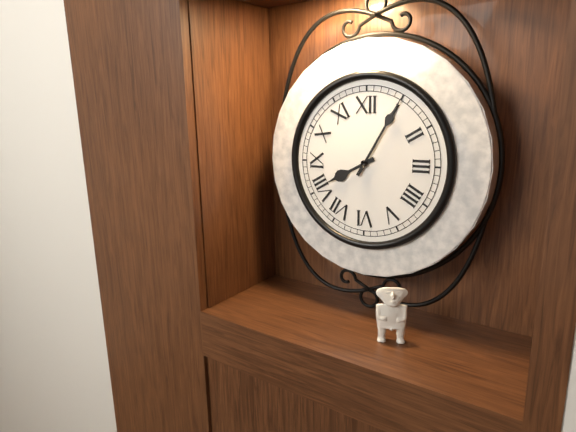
8:05
